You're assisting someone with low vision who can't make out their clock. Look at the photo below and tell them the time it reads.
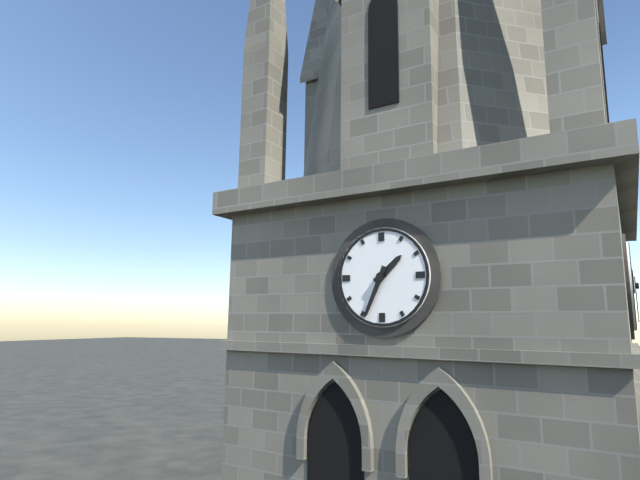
1:34
